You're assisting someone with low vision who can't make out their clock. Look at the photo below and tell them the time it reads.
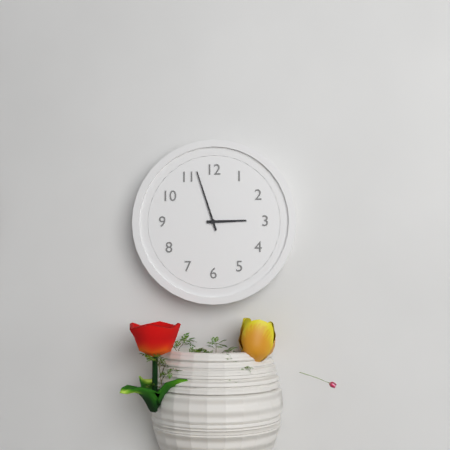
2:57
